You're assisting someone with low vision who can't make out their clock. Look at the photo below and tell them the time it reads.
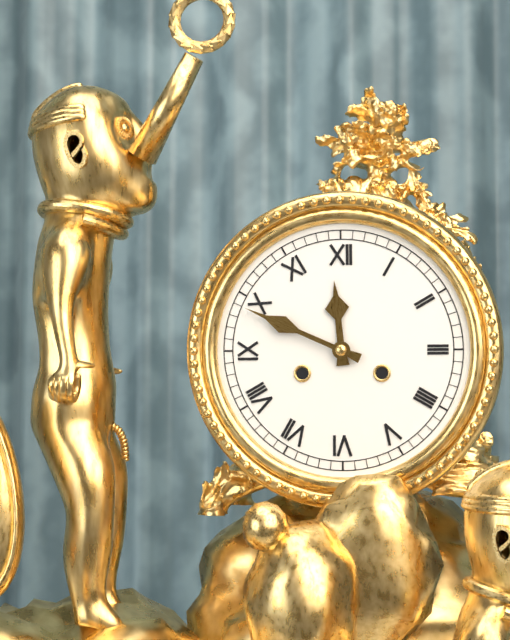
11:49
